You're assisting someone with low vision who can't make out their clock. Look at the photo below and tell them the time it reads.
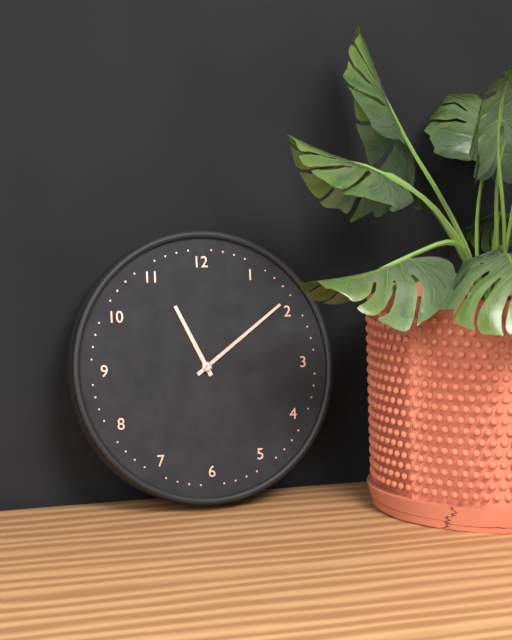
11:09
